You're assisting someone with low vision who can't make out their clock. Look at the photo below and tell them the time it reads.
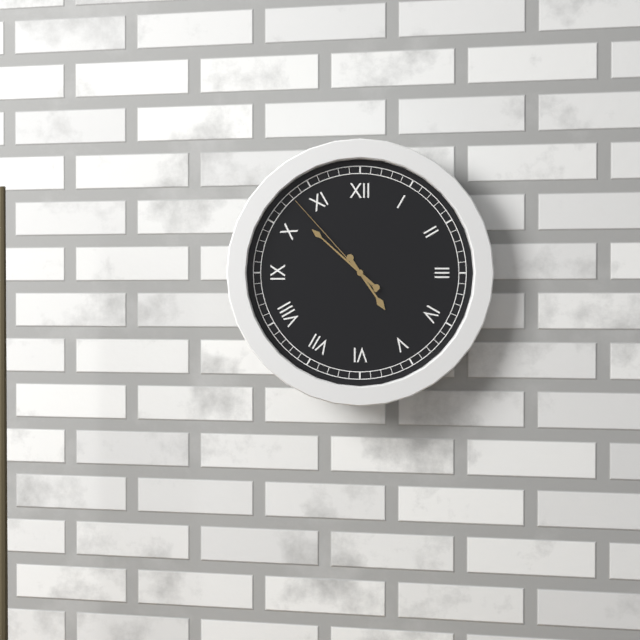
4:52:53
